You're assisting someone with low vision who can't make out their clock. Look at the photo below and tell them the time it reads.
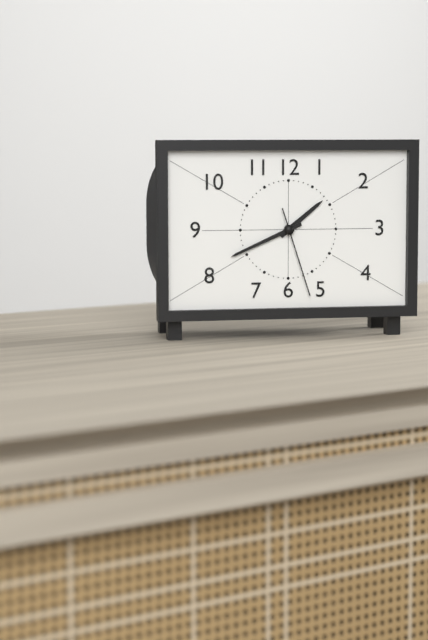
1:41:27
